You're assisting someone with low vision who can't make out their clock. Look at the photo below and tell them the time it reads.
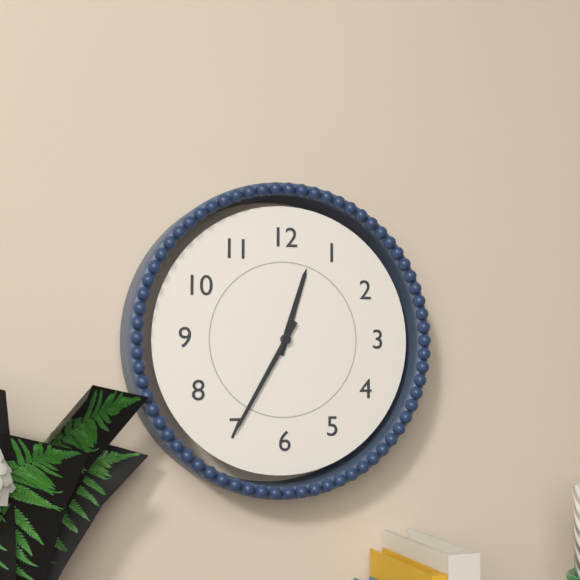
12:35
